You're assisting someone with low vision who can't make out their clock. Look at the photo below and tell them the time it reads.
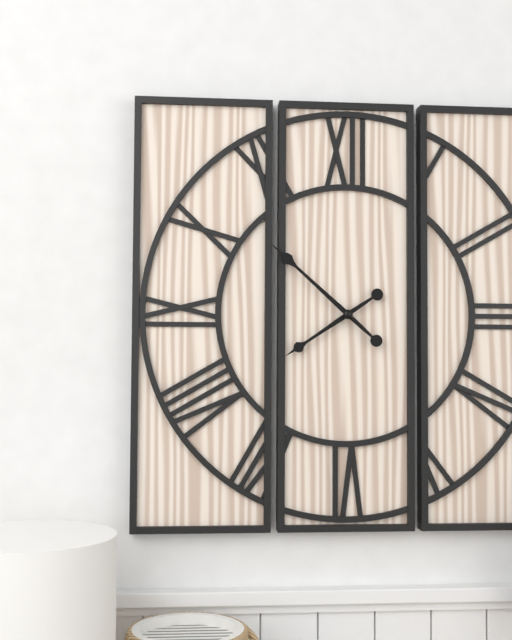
7:52
